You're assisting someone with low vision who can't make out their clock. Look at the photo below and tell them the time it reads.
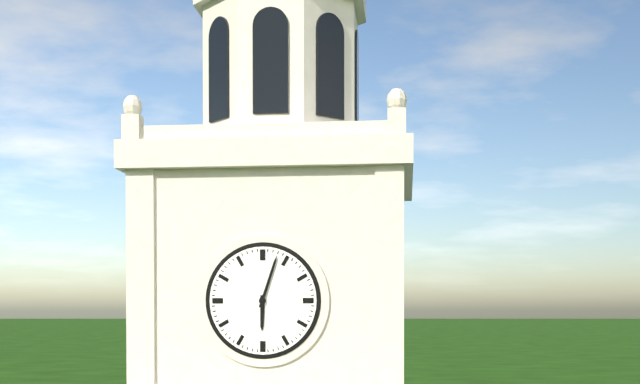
6:03
